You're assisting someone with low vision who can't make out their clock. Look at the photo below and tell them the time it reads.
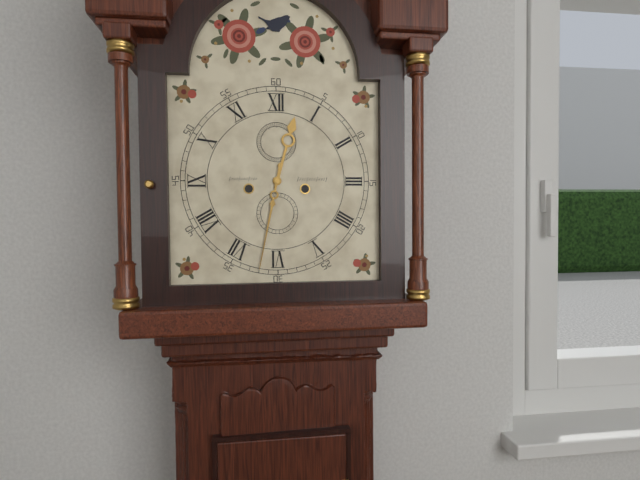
12:32
